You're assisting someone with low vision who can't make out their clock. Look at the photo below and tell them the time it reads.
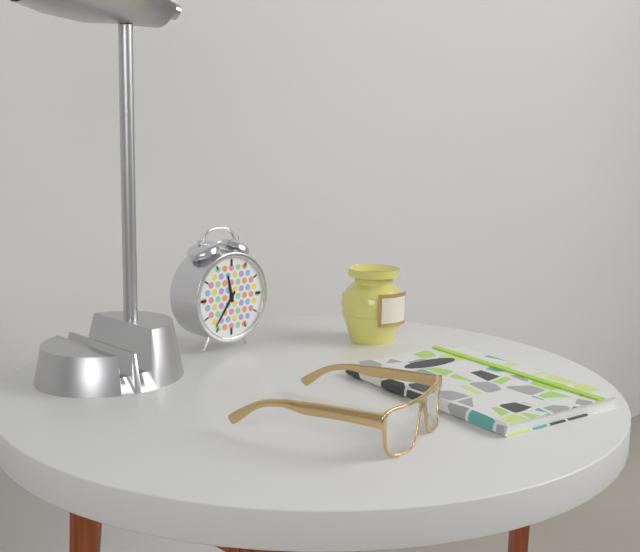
11:36
